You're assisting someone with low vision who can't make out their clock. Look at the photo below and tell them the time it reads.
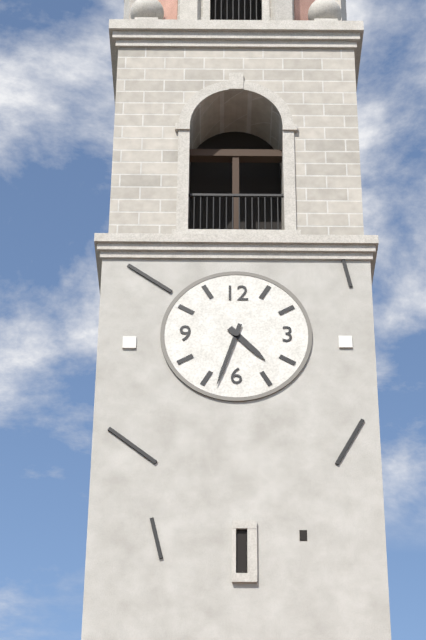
4:33
